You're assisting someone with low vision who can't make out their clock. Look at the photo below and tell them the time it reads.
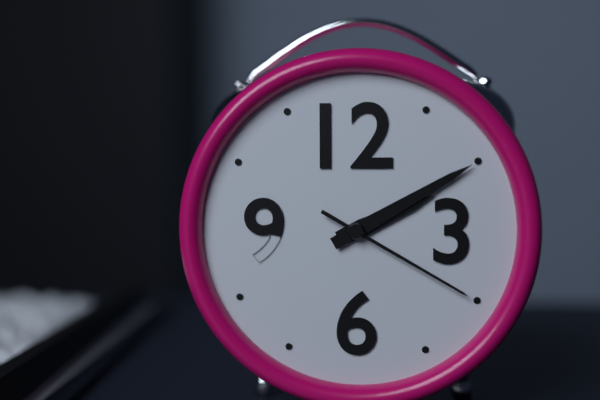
2:10:20
